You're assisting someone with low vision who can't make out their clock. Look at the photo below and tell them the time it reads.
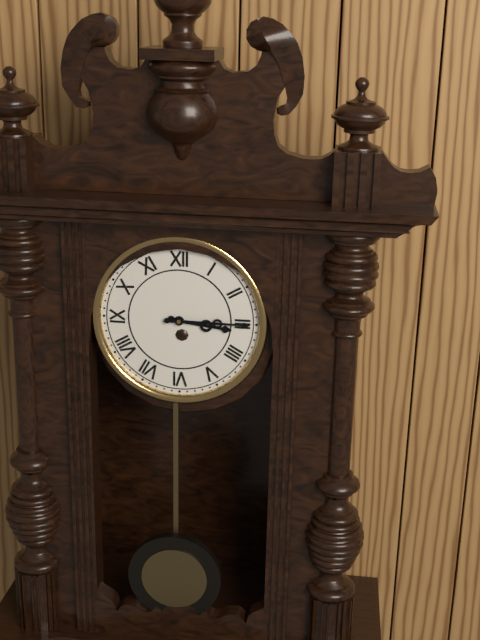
3:15
